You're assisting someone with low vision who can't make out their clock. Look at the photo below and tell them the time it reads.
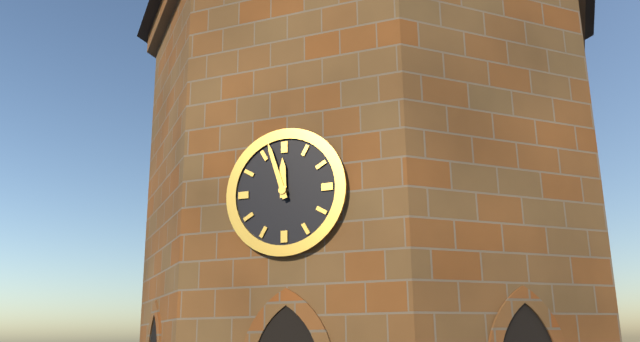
11:57
